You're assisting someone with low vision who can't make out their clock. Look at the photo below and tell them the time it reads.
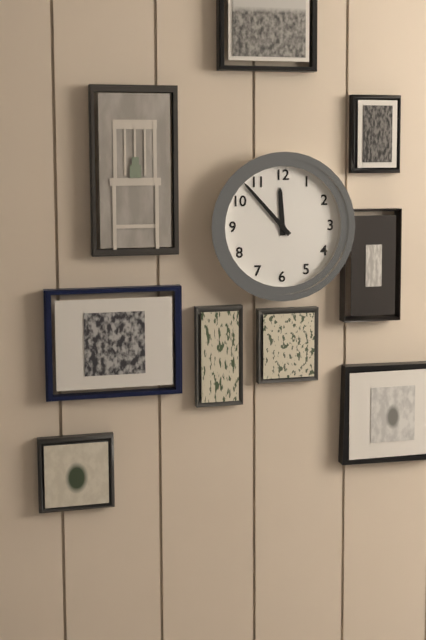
11:53
